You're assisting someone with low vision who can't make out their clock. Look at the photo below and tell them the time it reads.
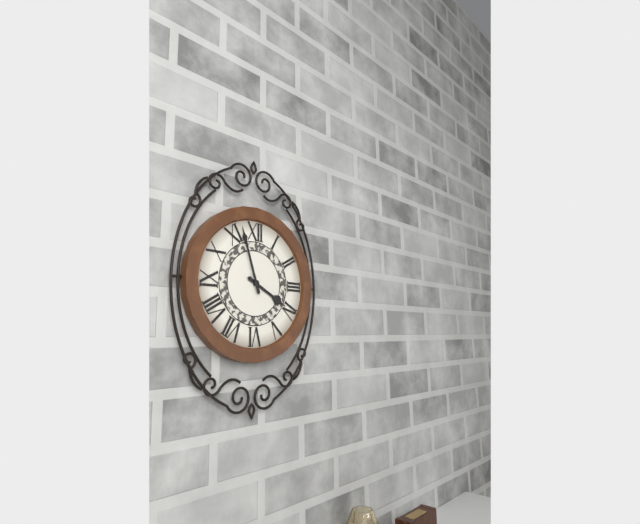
3:57
